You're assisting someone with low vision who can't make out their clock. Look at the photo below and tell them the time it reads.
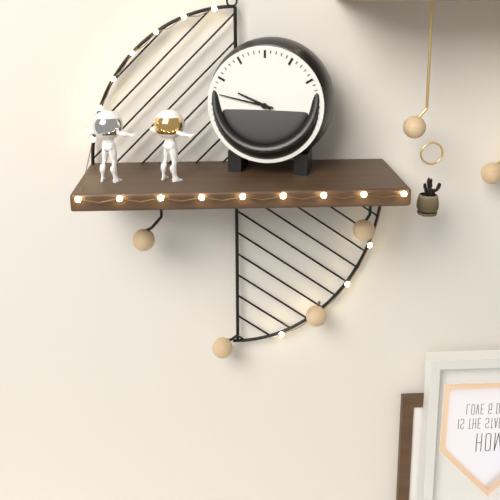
9:47
